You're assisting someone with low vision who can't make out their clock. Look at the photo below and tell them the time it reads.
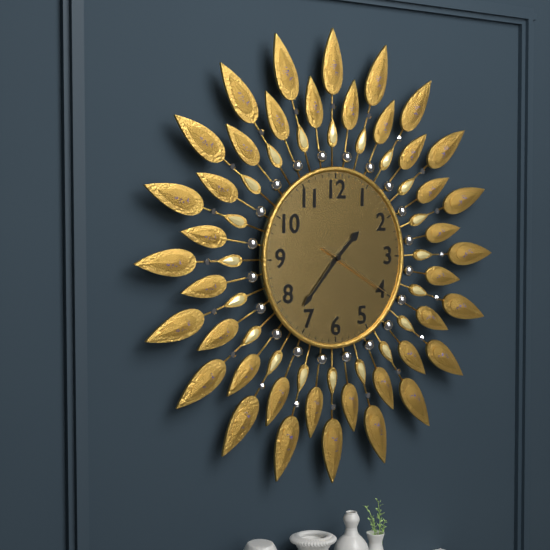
1:37:20
